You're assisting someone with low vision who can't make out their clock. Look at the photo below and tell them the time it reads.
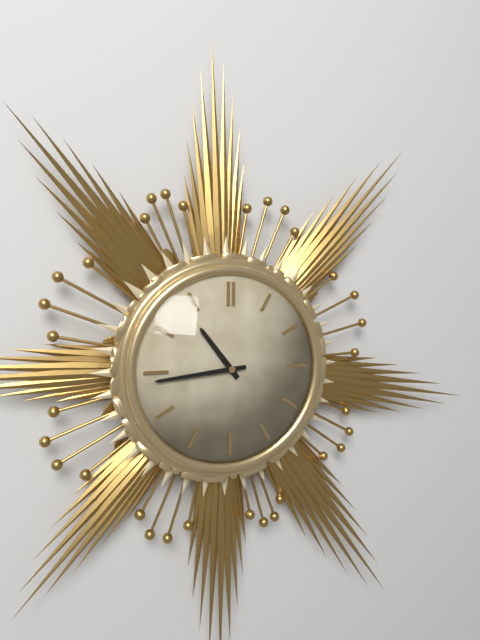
10:44
